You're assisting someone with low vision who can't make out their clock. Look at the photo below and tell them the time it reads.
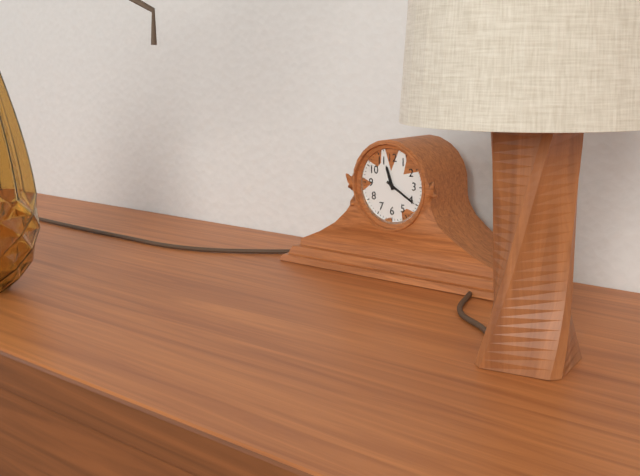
11:20
